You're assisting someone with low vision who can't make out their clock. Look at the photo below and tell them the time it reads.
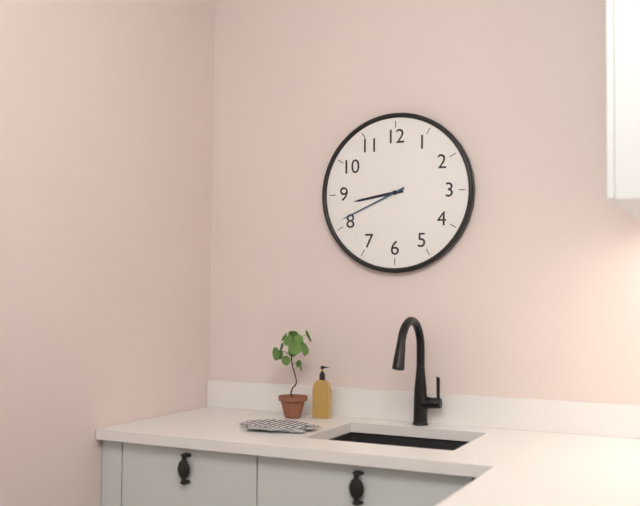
8:41
